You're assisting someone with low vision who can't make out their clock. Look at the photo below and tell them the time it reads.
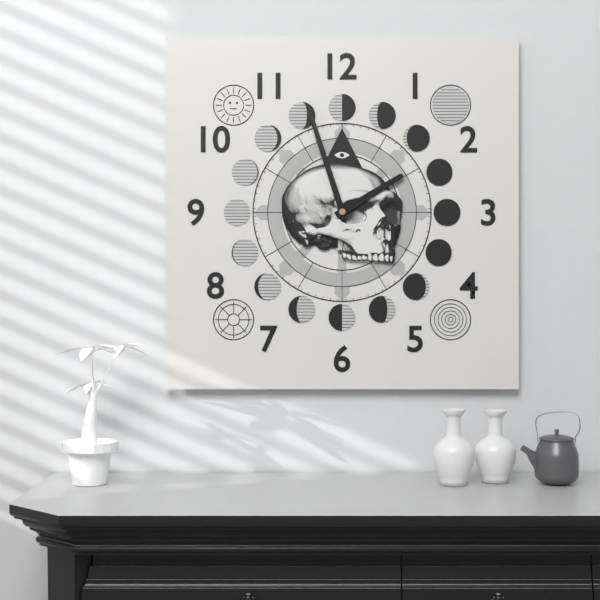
1:57
